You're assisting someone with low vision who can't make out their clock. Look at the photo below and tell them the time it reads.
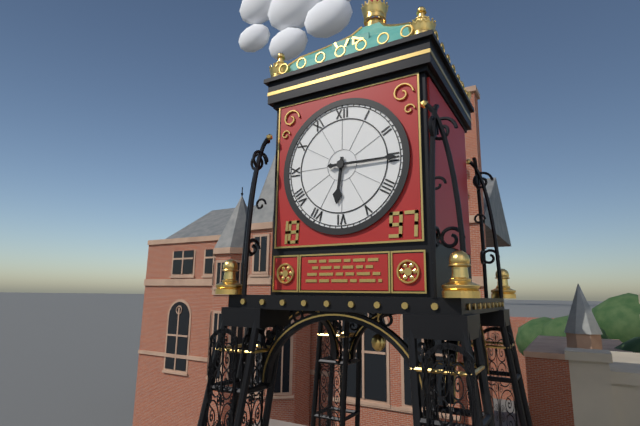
6:15
